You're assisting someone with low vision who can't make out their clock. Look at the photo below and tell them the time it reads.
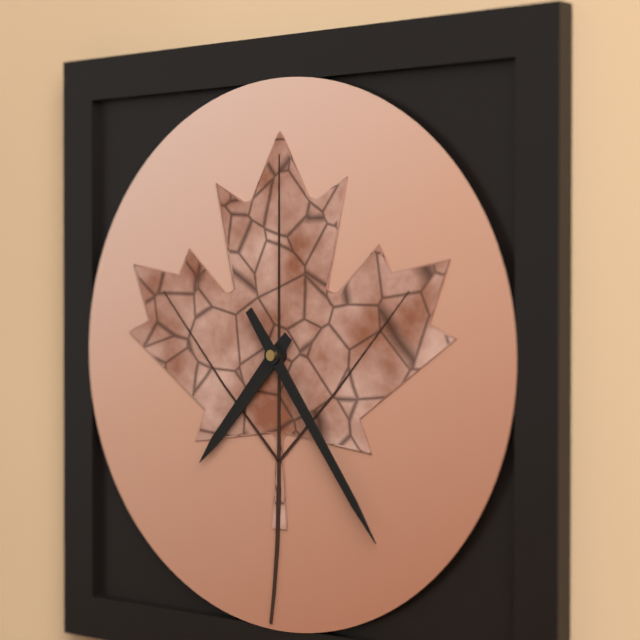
7:24
